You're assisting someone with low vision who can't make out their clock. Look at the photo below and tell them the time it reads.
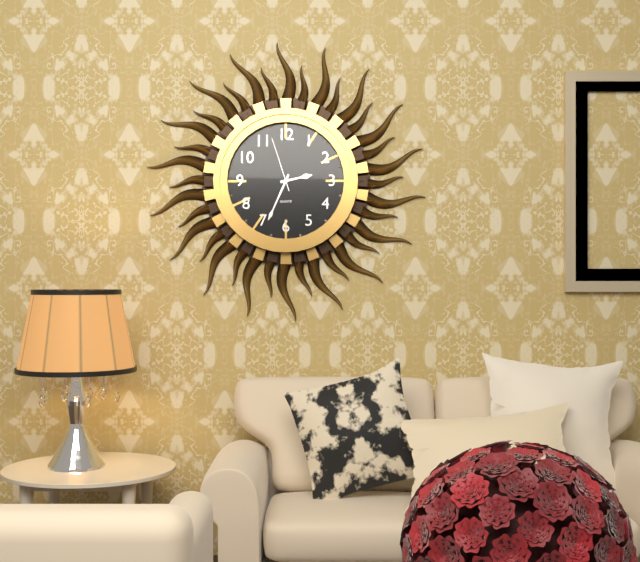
2:34:57
